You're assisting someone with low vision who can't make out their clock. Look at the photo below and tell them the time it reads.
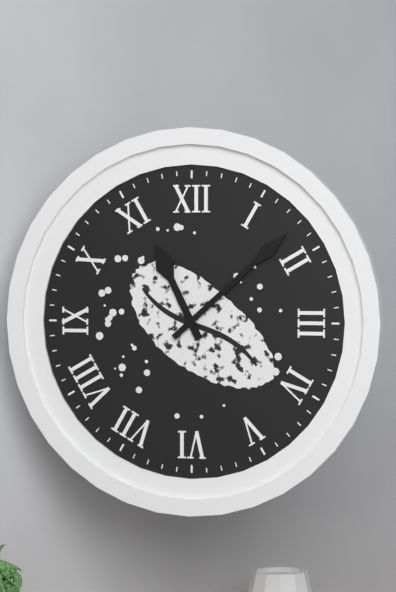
11:08
